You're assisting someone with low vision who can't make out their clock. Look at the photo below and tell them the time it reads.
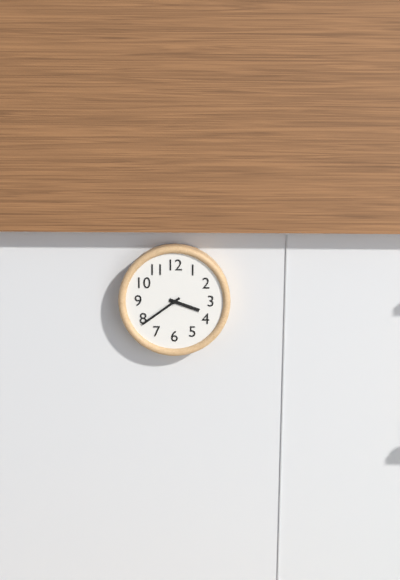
3:39
